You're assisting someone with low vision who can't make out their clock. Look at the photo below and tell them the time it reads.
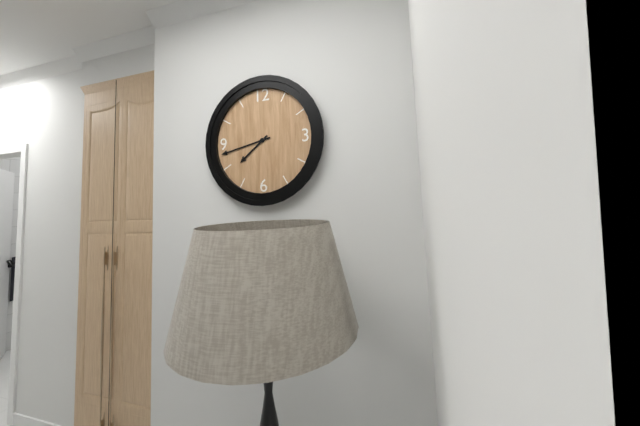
7:43
